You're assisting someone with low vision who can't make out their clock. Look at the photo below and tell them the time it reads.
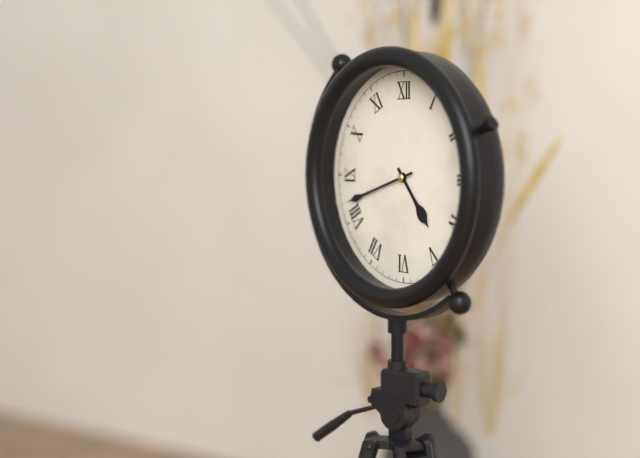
4:42
